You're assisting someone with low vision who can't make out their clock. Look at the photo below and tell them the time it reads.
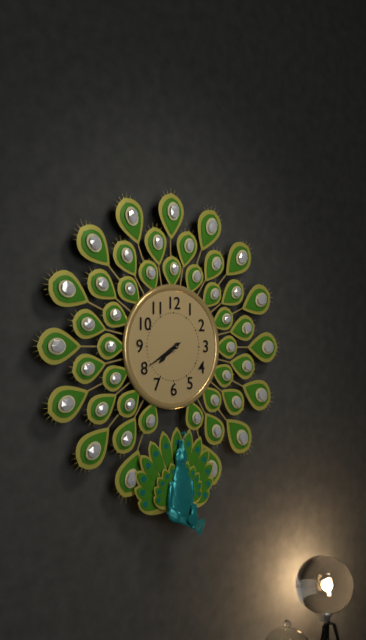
7:40
